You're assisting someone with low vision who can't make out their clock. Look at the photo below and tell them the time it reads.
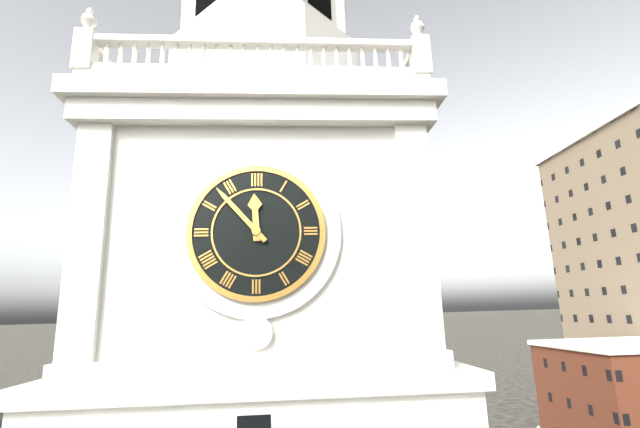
11:53
